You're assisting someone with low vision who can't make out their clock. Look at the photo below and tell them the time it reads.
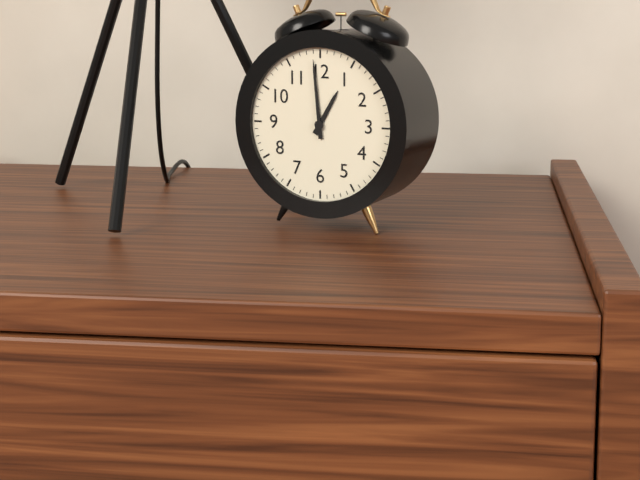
12:59
